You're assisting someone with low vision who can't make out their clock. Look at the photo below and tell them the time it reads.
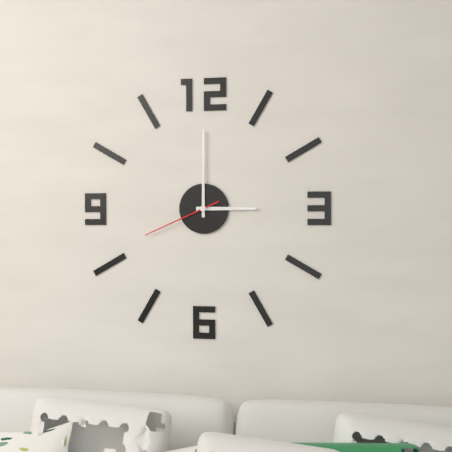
3:00:41
